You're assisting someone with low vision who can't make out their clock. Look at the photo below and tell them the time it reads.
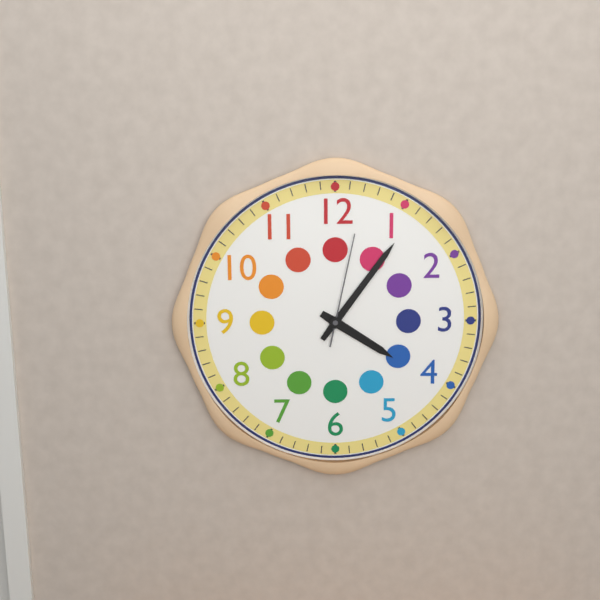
4:06:02
